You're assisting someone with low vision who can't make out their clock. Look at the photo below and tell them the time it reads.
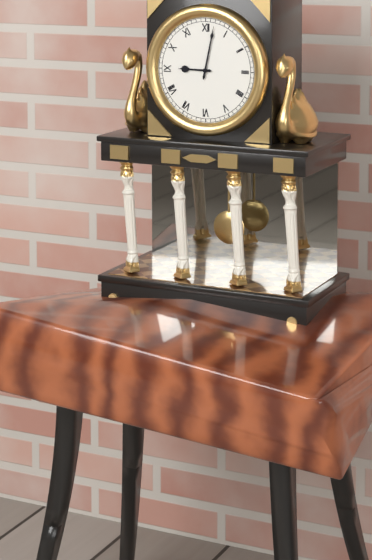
9:02
